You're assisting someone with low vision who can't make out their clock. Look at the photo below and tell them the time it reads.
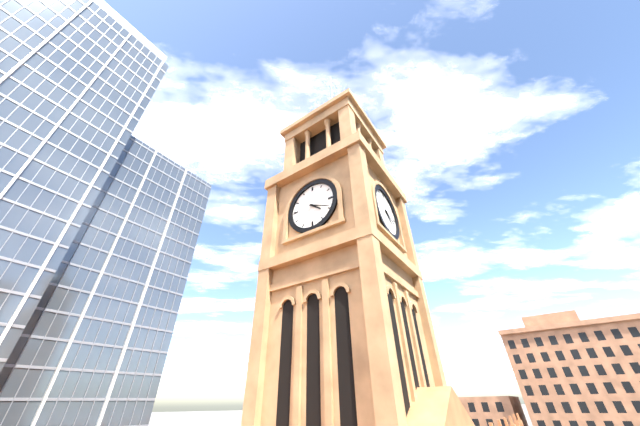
4:19
